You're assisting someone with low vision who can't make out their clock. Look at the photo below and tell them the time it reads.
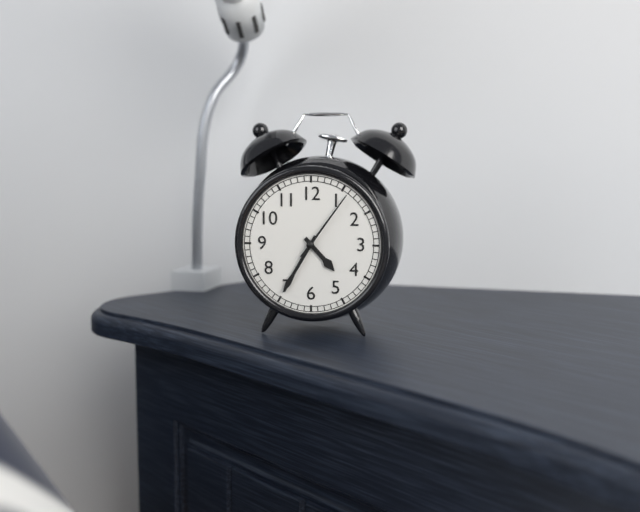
4:35:06
